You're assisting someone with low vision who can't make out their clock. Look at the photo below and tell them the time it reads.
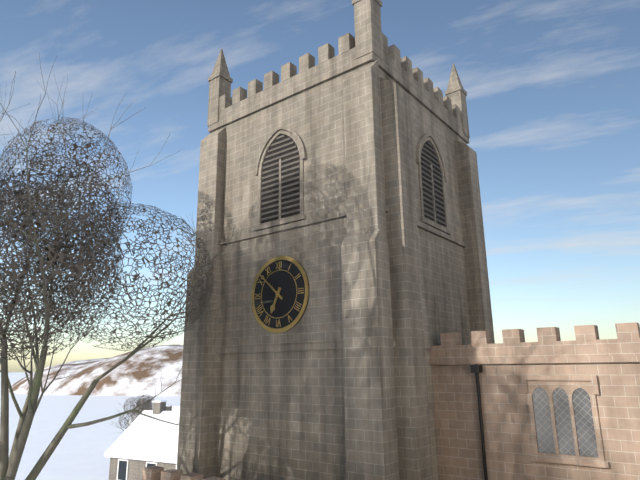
6:52
